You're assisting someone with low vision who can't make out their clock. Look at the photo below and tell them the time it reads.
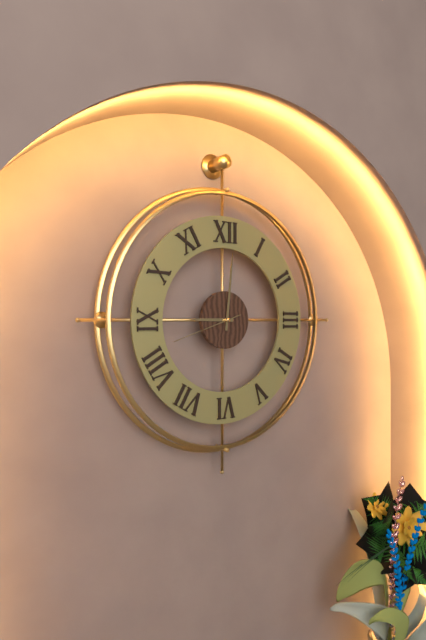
9:01:42
